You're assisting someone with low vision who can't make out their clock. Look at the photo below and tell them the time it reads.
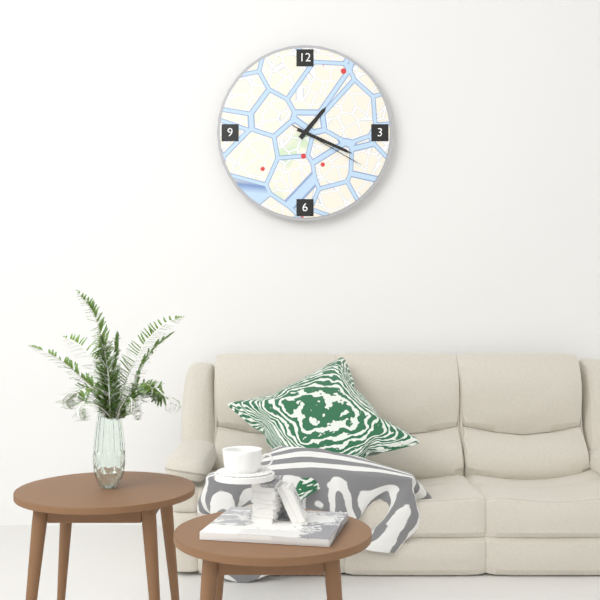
1:19:20
